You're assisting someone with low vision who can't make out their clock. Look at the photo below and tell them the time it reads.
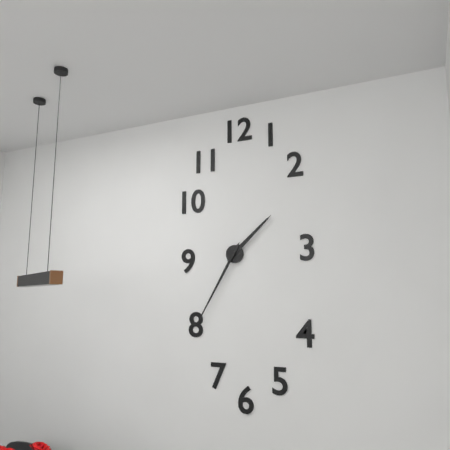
1:35
